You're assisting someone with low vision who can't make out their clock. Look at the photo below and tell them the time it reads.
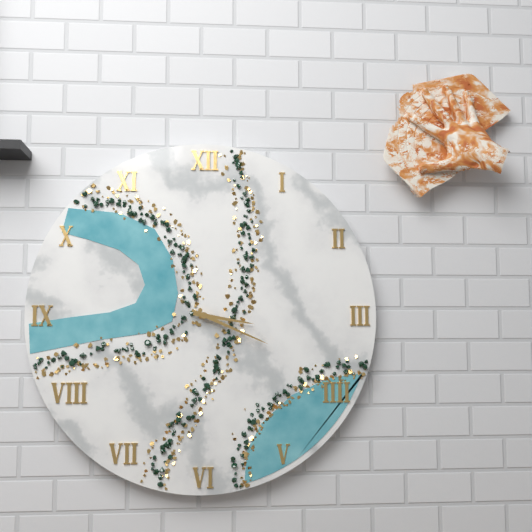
3:19
